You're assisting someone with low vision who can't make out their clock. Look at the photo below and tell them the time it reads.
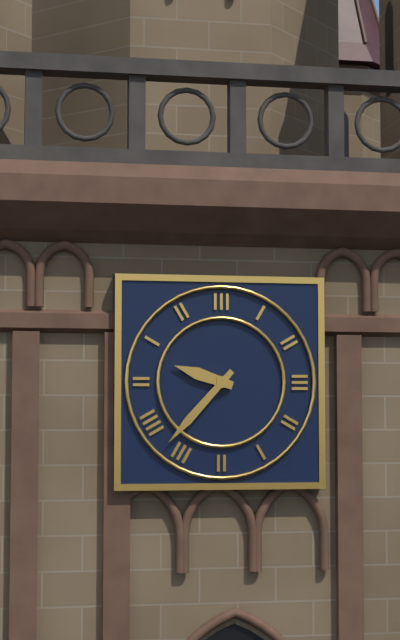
9:37
